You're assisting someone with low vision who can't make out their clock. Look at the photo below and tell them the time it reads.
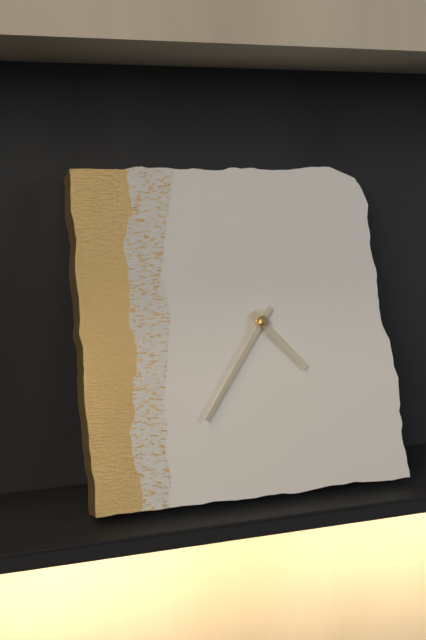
4:36
